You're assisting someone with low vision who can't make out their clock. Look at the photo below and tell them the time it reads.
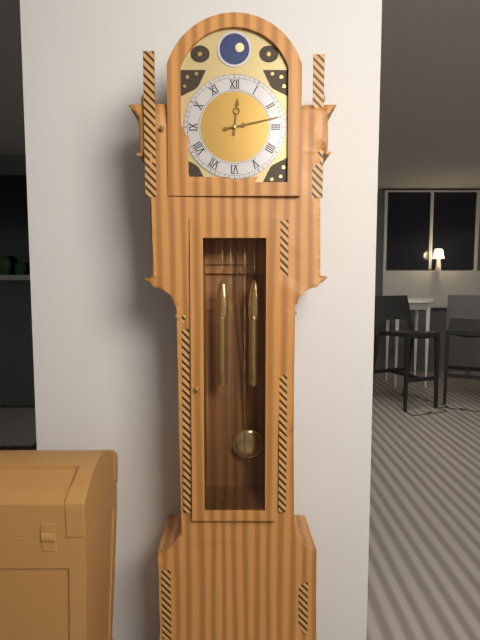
12:13
